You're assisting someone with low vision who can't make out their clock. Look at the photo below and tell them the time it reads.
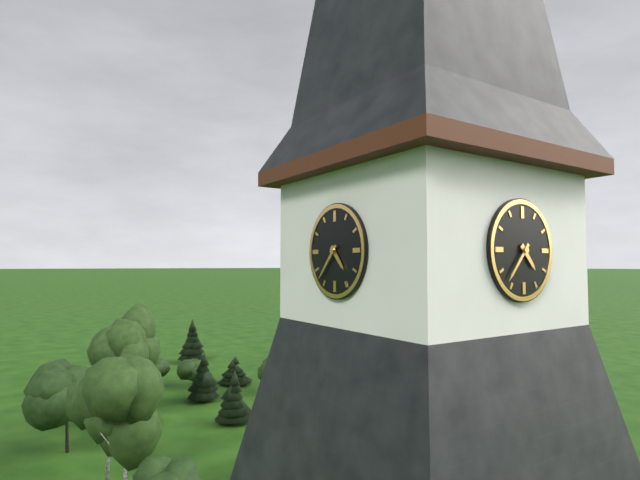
4:37
